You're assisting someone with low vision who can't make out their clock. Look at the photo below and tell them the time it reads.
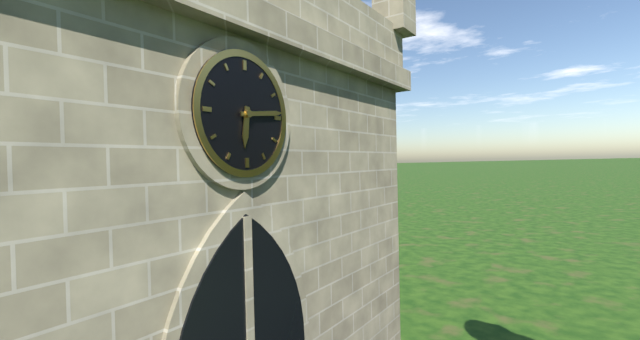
6:14
